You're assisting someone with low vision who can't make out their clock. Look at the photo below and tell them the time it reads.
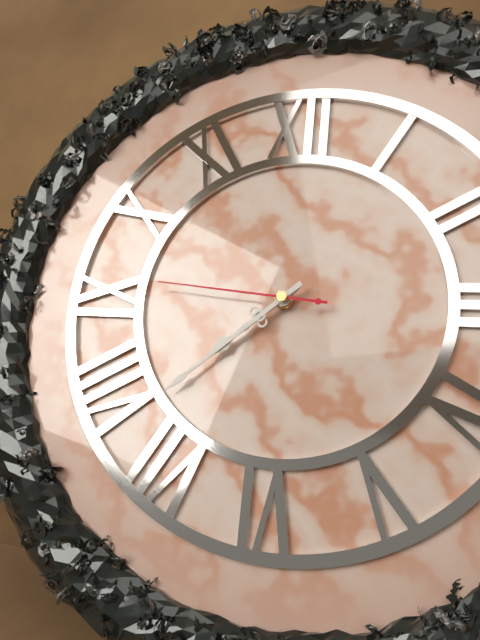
7:38:46
